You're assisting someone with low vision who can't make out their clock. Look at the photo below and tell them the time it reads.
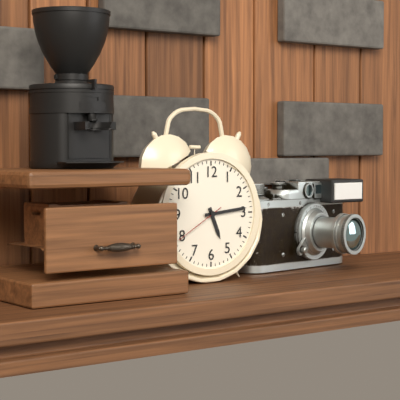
5:14:40
